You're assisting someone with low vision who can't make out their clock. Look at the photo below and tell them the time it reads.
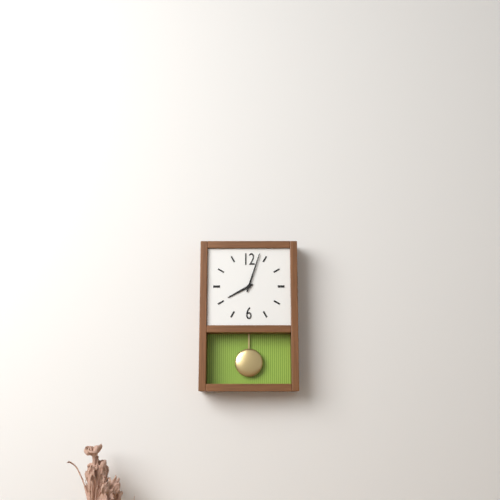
8:03
